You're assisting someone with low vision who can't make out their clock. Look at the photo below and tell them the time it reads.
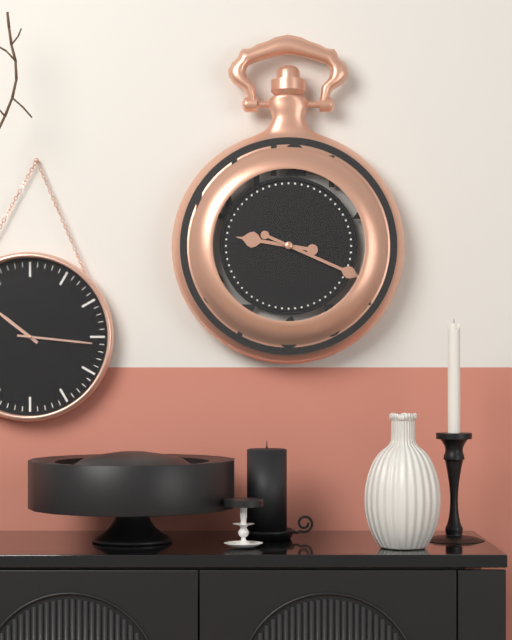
9:19
